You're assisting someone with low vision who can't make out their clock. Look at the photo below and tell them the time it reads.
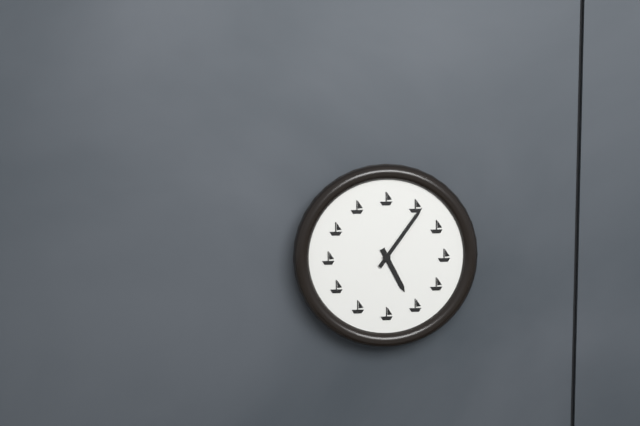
5:06
